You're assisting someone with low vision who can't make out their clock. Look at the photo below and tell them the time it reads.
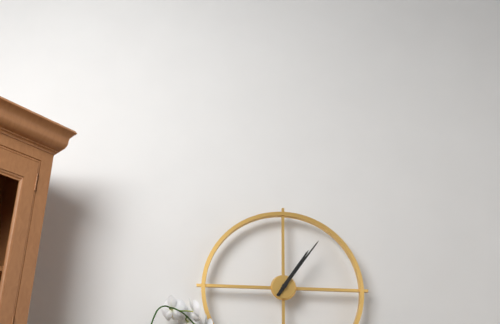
1:06
